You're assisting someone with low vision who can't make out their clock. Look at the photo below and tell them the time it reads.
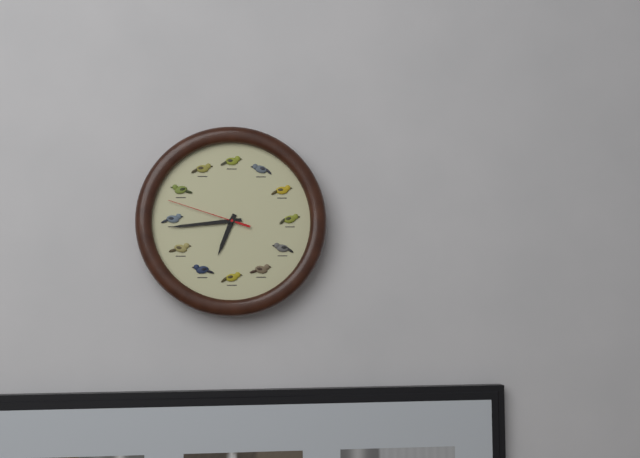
6:44:48
